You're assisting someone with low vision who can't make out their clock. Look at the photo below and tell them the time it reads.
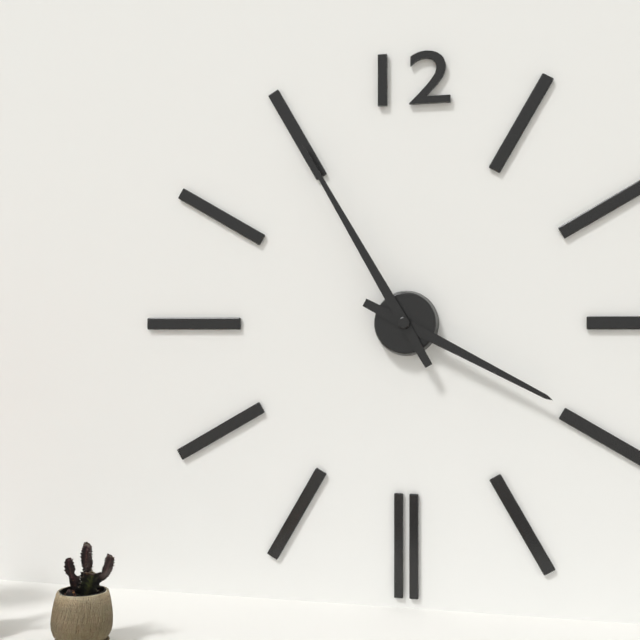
3:55
